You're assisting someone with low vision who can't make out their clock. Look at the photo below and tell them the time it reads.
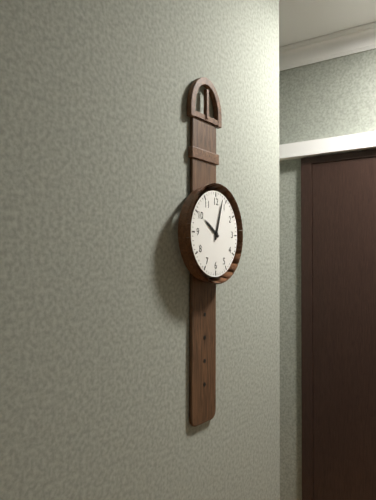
10:03
